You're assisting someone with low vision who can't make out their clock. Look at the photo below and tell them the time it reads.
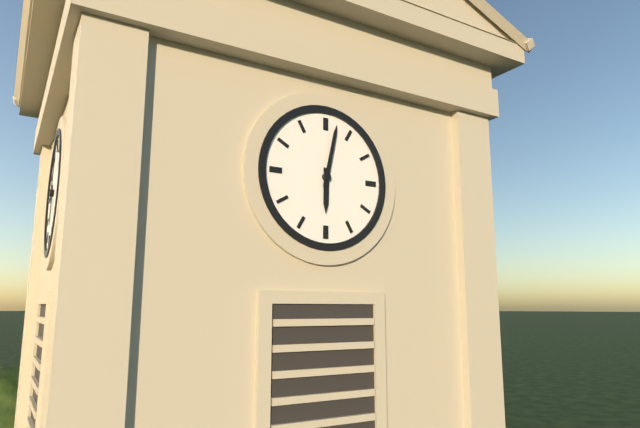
6:02
